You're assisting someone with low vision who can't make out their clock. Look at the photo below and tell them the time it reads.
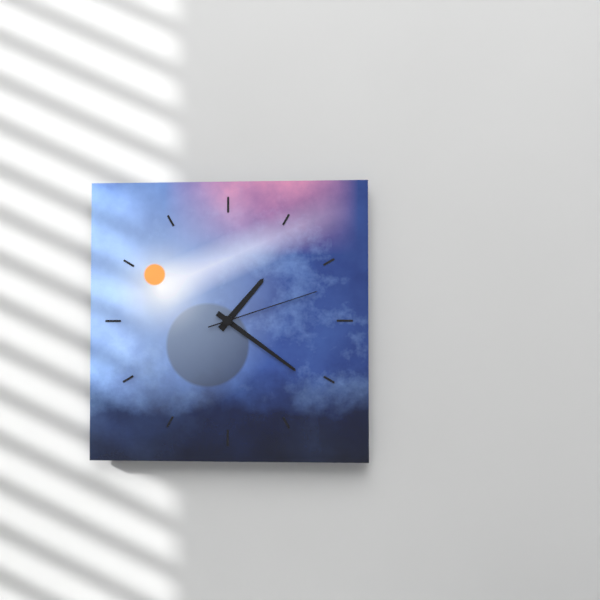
1:21:12
